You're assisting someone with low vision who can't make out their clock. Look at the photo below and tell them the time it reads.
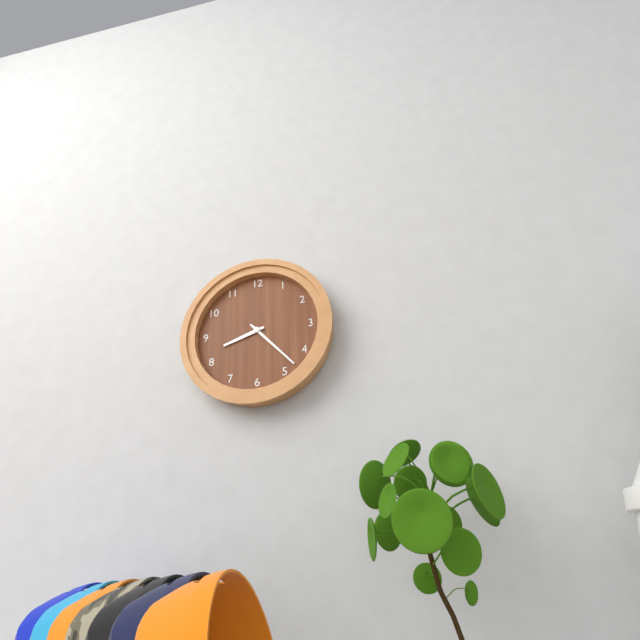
8:23
